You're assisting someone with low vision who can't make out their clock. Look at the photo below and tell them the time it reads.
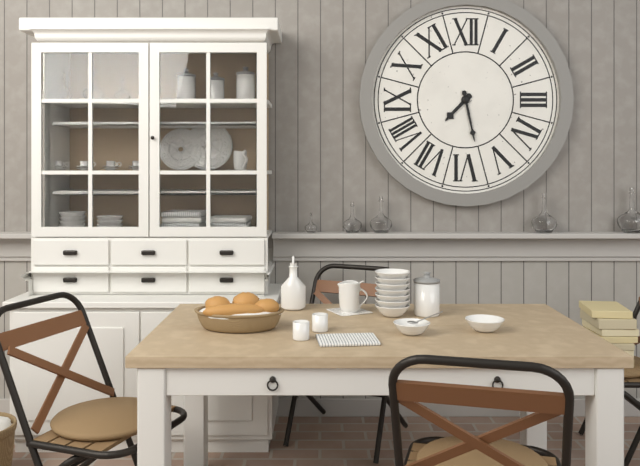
7:28
